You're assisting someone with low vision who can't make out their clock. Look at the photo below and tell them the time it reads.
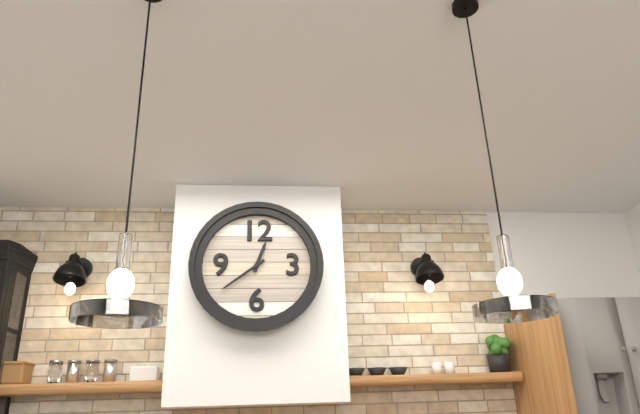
12:39
